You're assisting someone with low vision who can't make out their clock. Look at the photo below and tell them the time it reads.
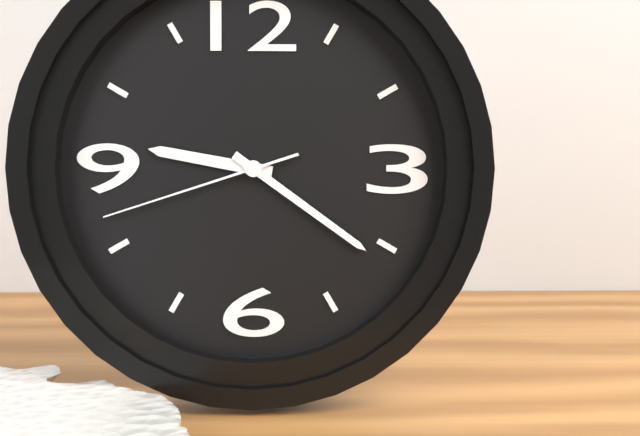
9:21:42
